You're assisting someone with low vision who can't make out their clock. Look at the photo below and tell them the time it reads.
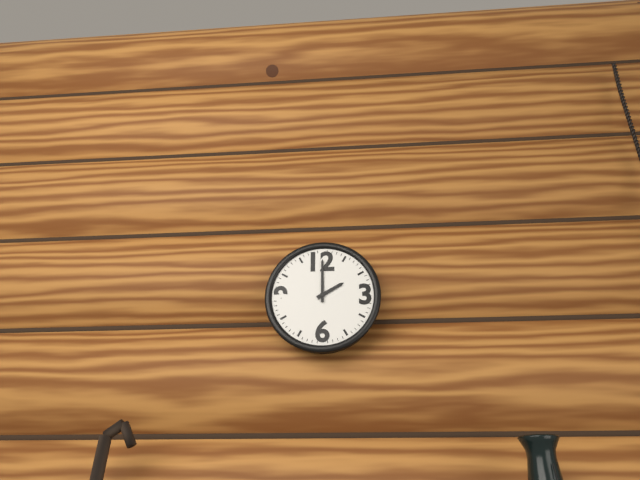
2:00
